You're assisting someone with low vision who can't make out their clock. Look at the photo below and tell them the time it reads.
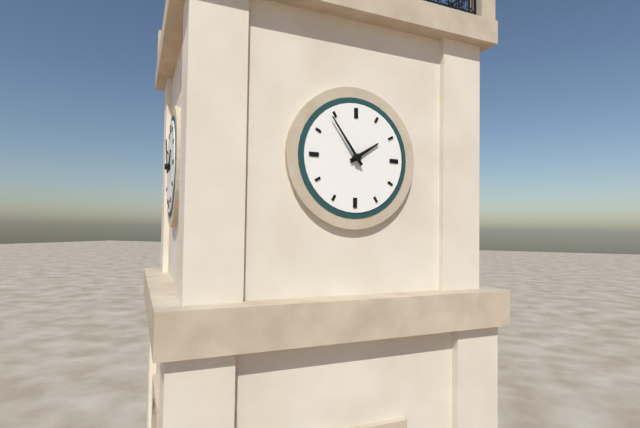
1:54
